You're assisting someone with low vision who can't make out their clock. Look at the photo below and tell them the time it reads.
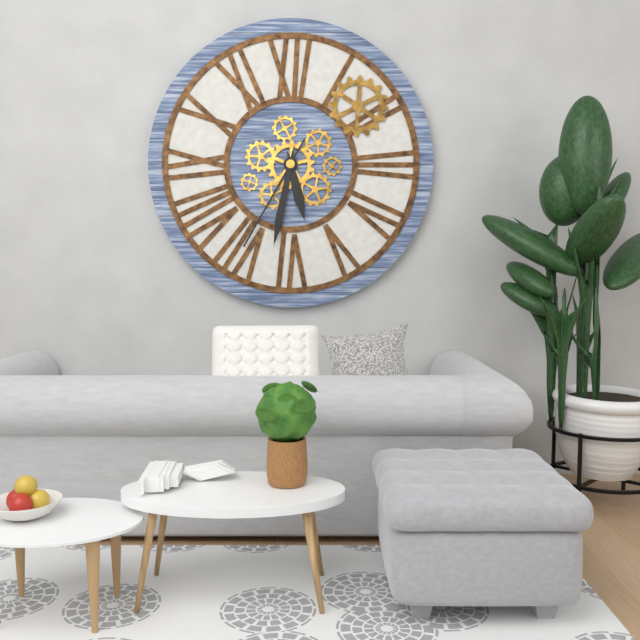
5:32:35
